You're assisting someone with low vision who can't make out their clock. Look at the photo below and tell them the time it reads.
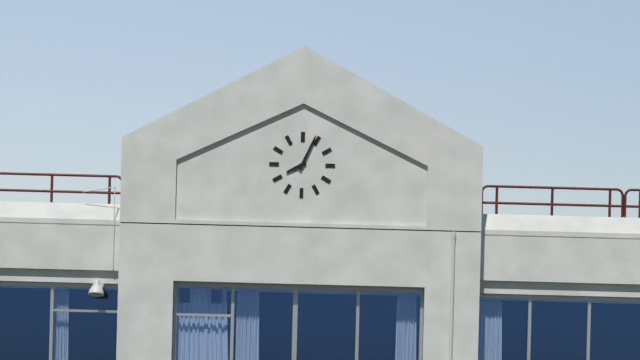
8:04
